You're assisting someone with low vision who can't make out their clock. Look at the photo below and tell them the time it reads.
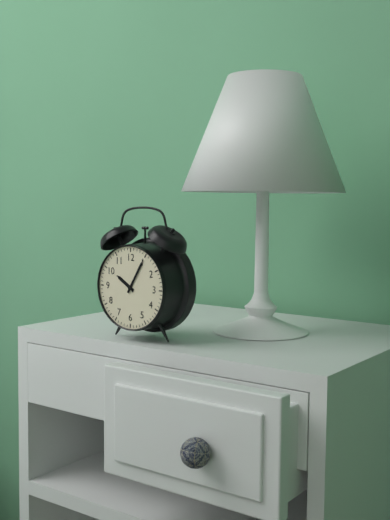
10:05
